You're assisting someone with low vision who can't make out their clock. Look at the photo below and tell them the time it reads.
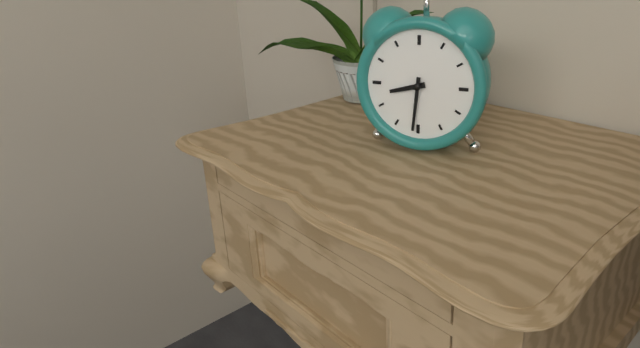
8:31
